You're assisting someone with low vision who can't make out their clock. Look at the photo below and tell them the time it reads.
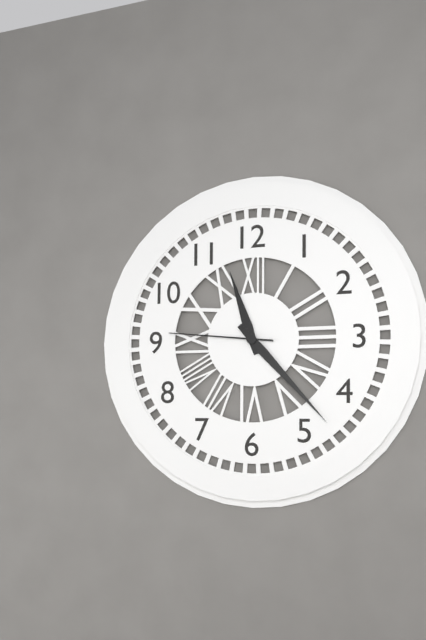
11:23:46
